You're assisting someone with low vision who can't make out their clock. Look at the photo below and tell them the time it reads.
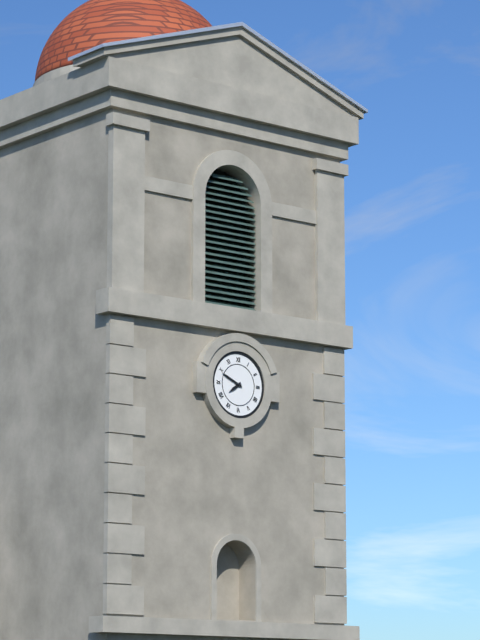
7:49
